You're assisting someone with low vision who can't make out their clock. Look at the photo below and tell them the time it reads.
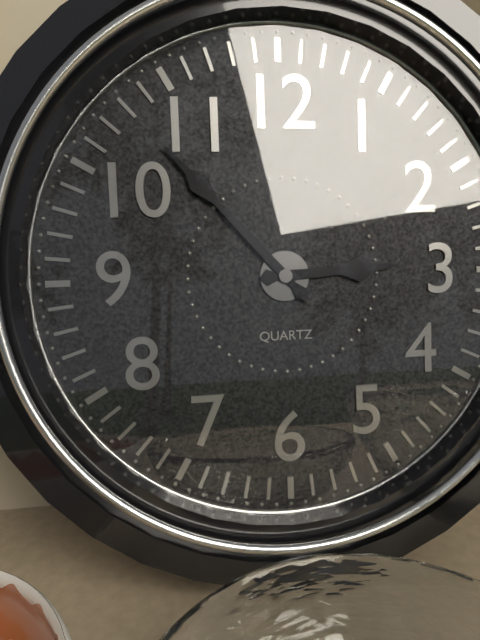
2:53
